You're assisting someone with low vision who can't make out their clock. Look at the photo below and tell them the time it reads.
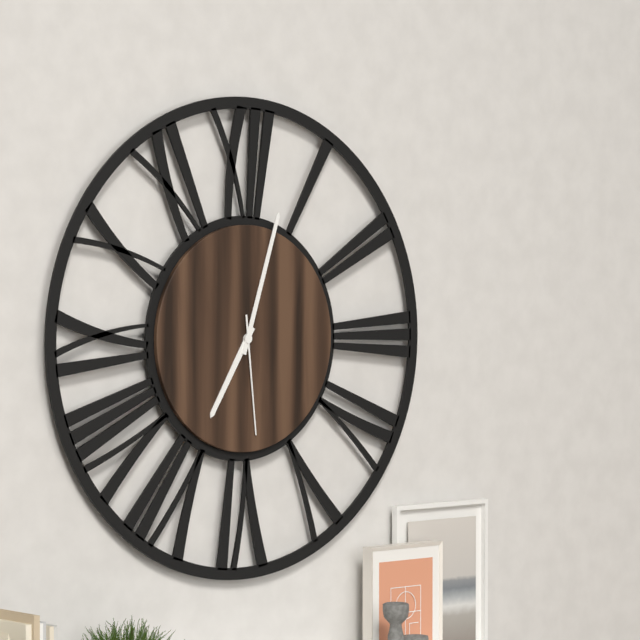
7:03:29
